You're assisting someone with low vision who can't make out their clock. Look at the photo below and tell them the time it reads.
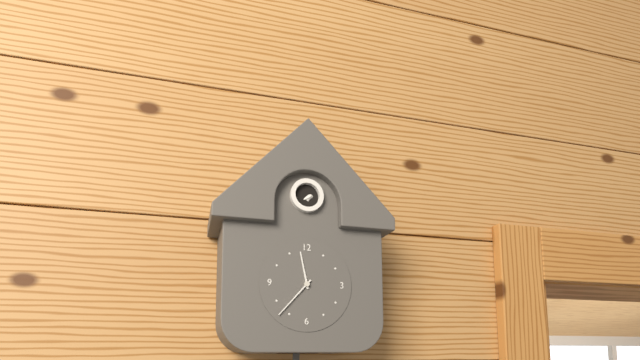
11:37
